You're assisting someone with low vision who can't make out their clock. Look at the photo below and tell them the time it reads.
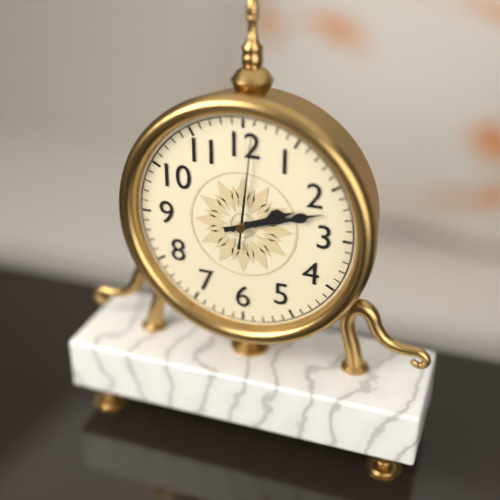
2:12:01
